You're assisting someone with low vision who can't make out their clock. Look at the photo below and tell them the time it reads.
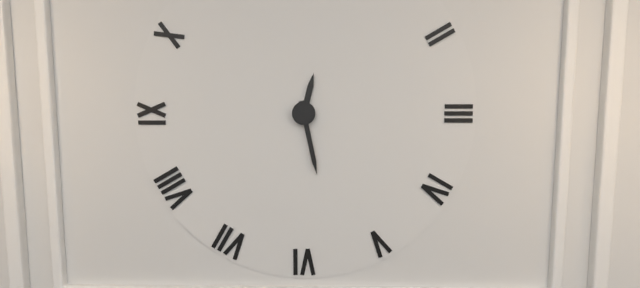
12:28
